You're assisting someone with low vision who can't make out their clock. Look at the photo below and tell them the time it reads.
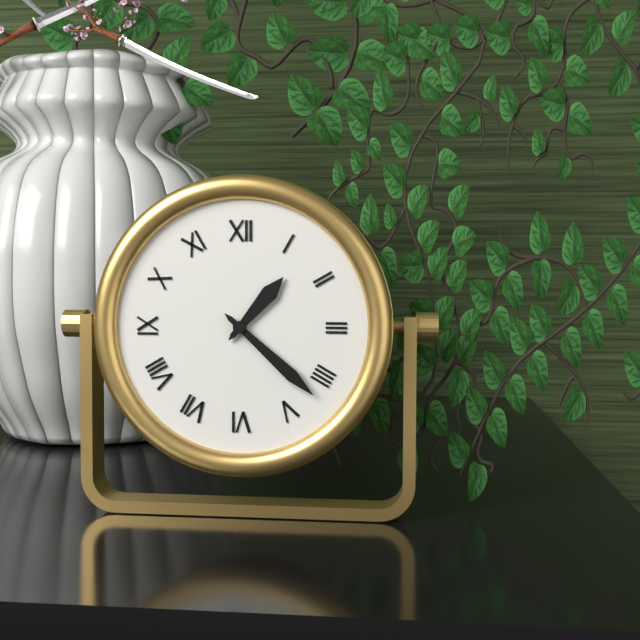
1:22
